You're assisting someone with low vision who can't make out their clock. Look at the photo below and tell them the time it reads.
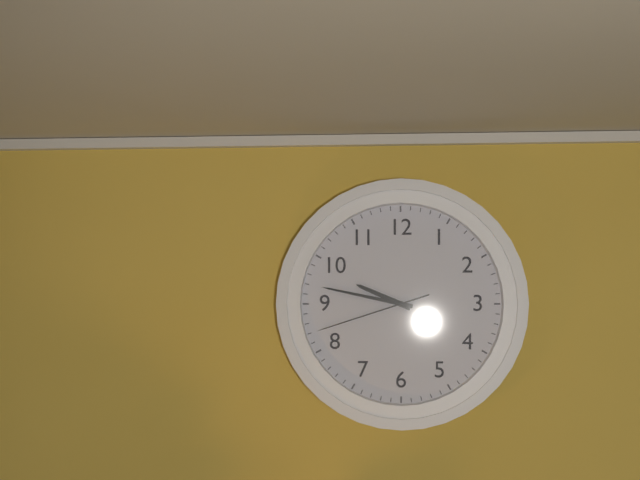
9:47:42
